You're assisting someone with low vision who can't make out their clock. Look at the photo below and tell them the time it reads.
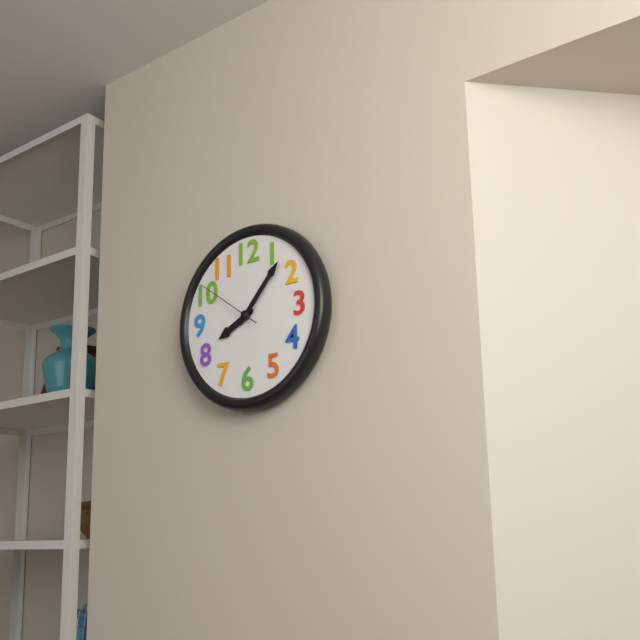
8:07:51
